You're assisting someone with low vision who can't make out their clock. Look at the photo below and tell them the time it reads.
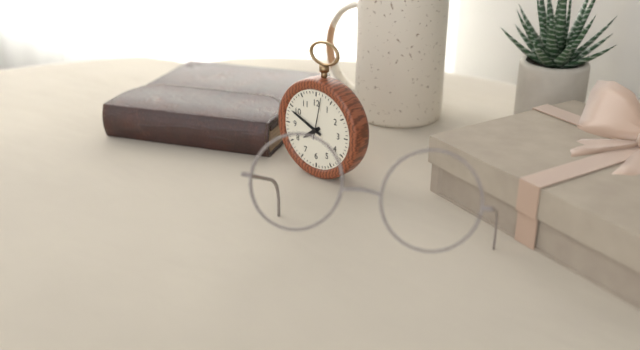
7:49
